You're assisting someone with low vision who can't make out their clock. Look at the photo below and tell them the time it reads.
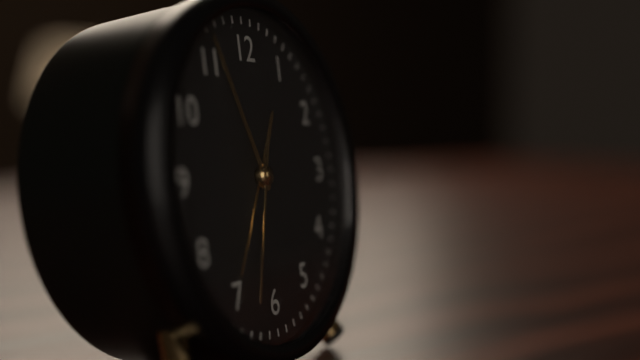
12:56:33
